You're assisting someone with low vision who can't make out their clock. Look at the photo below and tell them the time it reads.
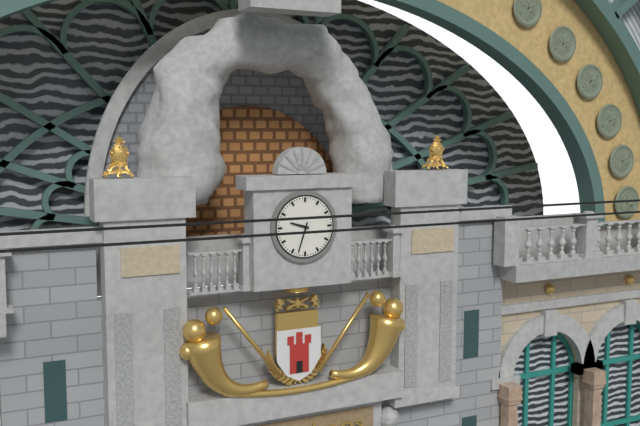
9:33
